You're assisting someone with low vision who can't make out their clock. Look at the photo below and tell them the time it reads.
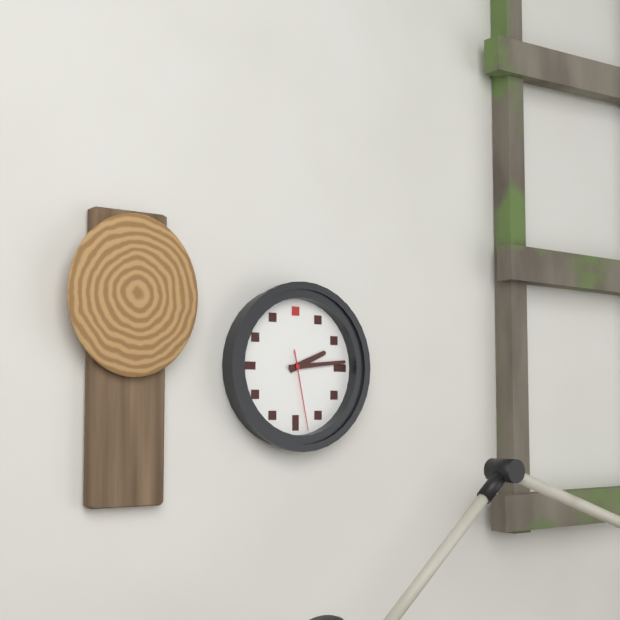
2:14:28
